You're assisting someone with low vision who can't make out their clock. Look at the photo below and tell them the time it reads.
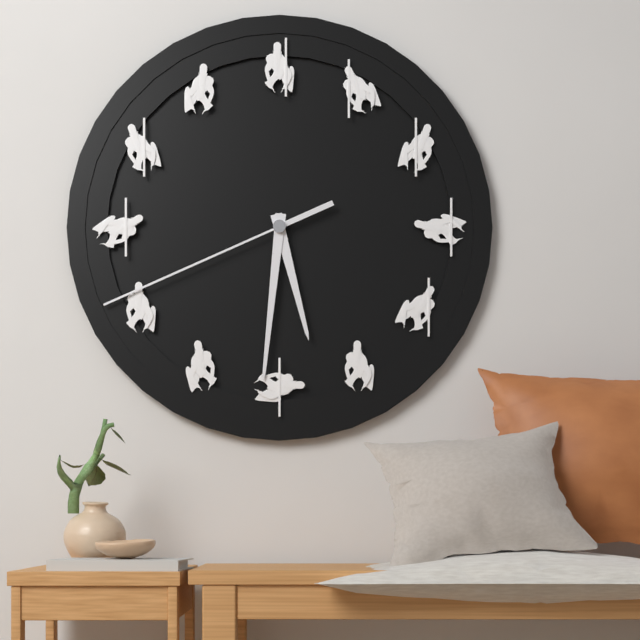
5:31:41
